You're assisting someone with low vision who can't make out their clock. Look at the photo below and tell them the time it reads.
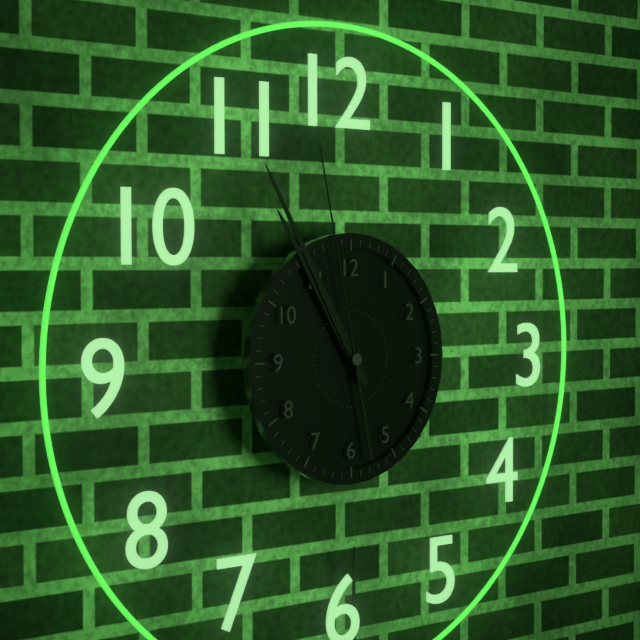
10:55:58
